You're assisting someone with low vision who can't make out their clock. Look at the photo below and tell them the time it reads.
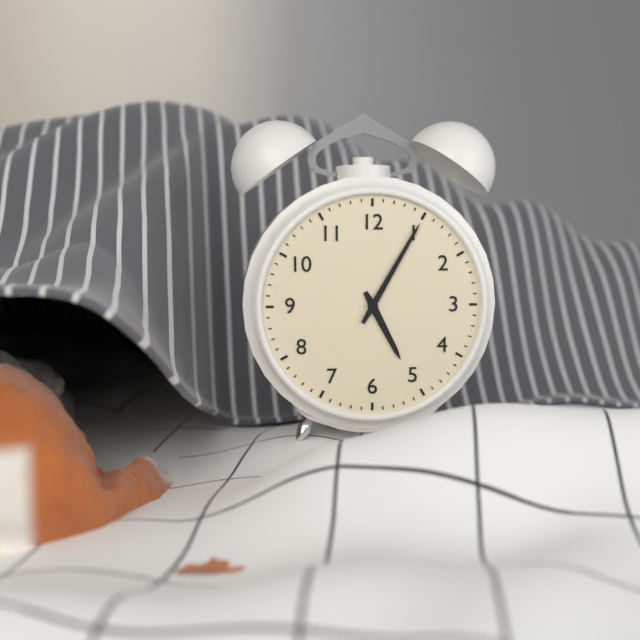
5:05
